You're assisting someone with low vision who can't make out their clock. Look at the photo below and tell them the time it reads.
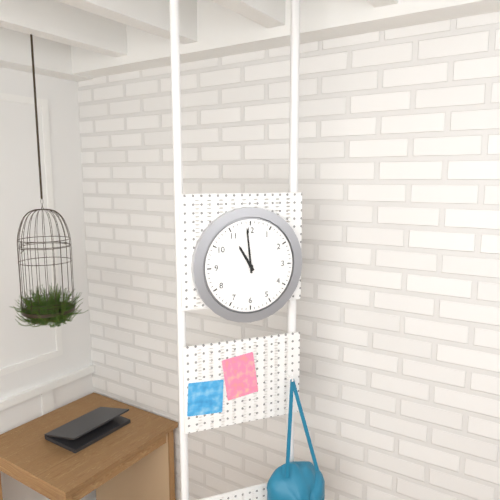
10:59
